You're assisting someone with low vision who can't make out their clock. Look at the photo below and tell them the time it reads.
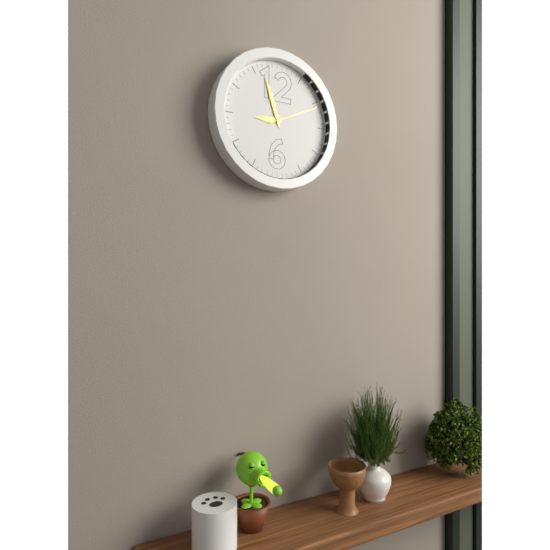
8:57:11
